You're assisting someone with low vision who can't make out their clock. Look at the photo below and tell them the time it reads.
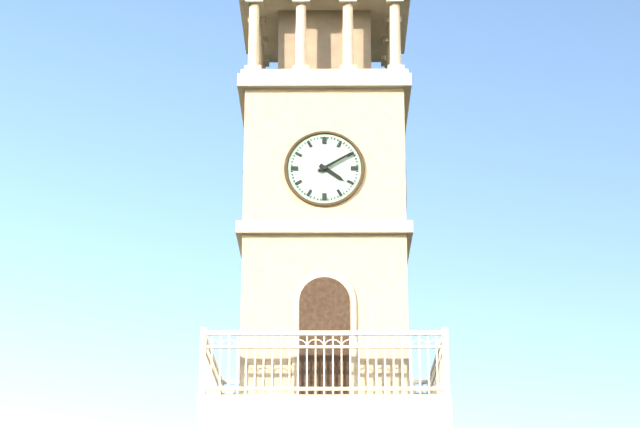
4:10
